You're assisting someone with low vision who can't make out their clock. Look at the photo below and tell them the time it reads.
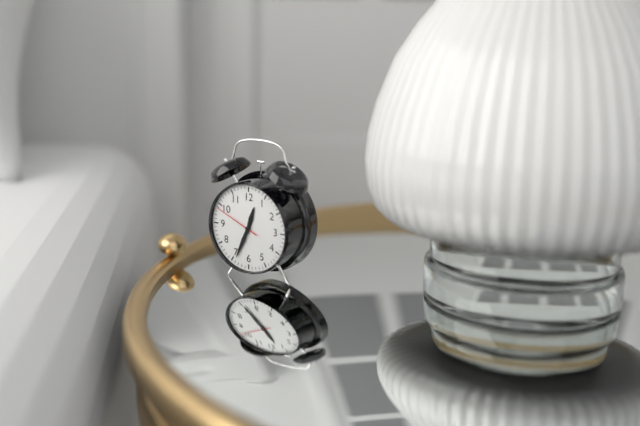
12:34:49
